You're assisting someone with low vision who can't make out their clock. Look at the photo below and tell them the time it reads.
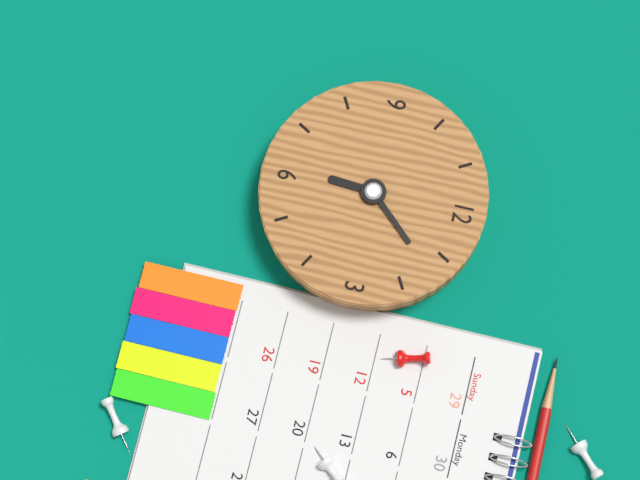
6:07
